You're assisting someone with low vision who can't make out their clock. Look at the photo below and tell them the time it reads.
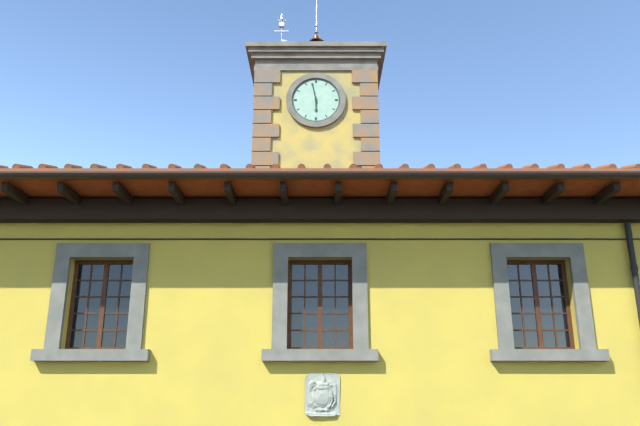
5:58
